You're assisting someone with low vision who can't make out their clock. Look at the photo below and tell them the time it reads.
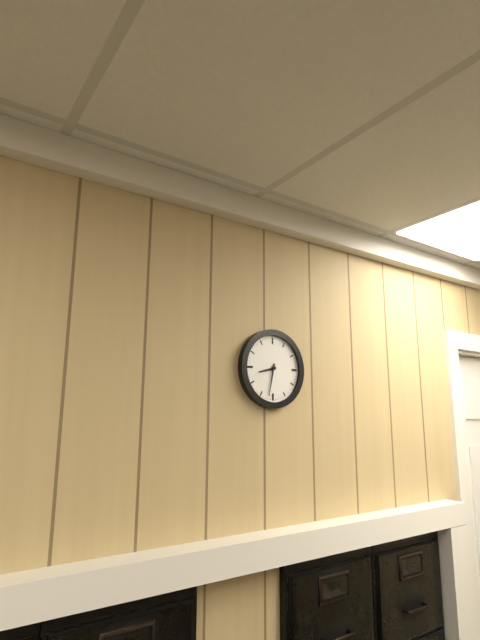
8:32
